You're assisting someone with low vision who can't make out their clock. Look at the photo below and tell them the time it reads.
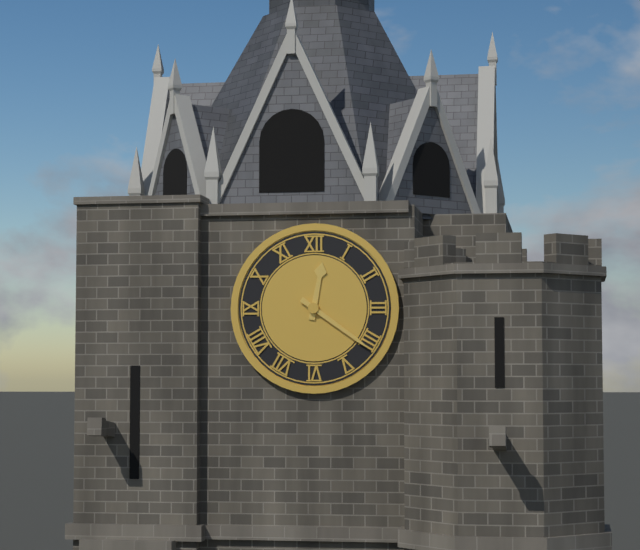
12:21
